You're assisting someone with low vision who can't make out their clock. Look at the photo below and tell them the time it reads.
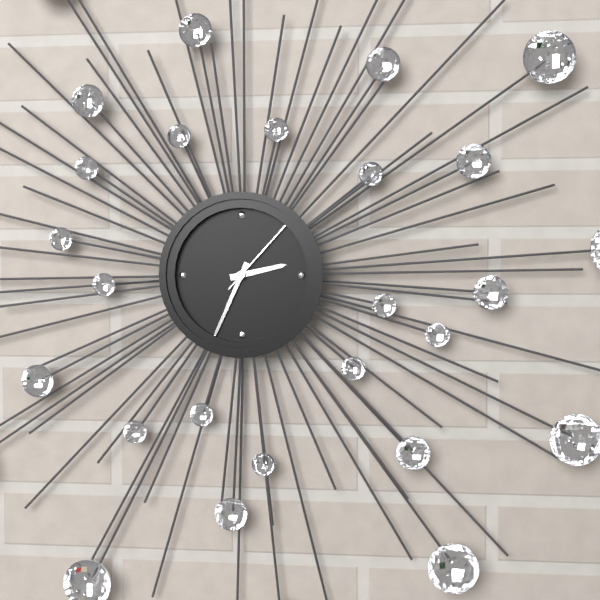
2:34:07
